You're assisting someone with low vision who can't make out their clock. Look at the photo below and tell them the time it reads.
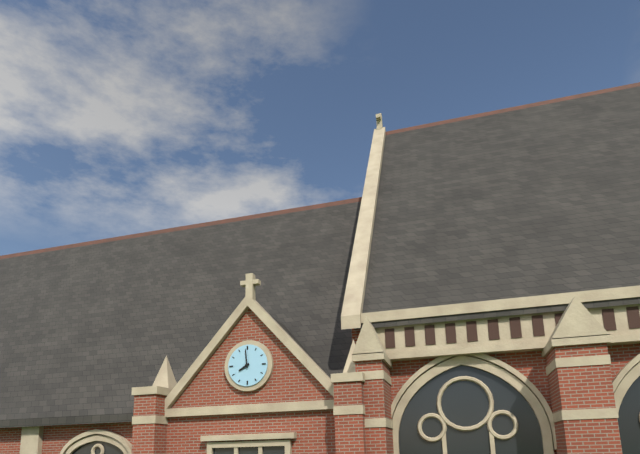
7:59
